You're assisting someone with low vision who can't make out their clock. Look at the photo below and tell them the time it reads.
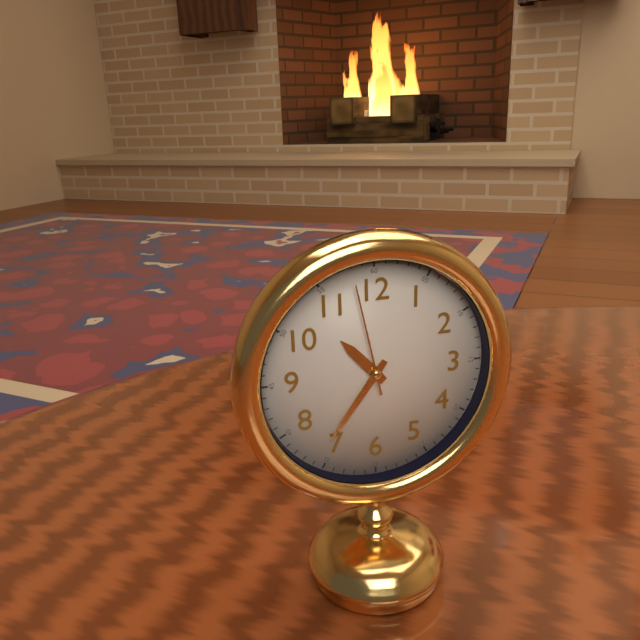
10:36:58
